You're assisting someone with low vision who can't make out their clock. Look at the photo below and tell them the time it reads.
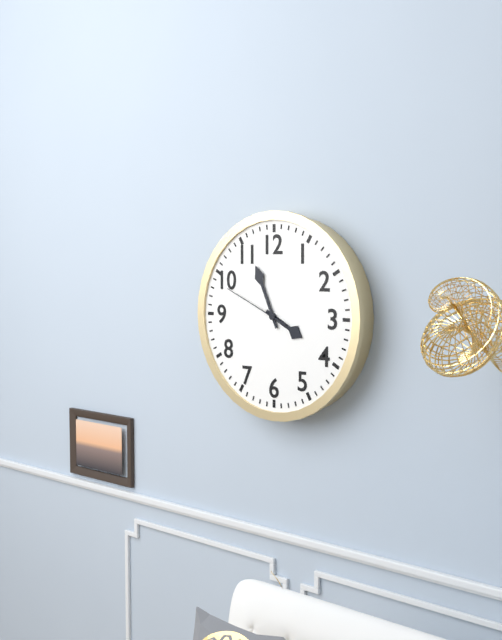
3:56:49
